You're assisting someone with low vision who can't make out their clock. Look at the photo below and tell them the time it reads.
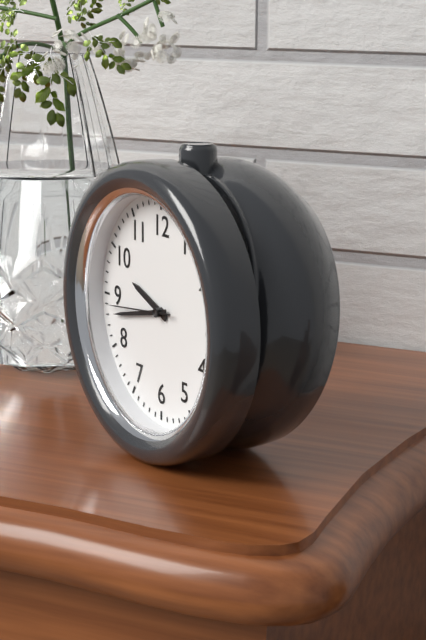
9:43:44
